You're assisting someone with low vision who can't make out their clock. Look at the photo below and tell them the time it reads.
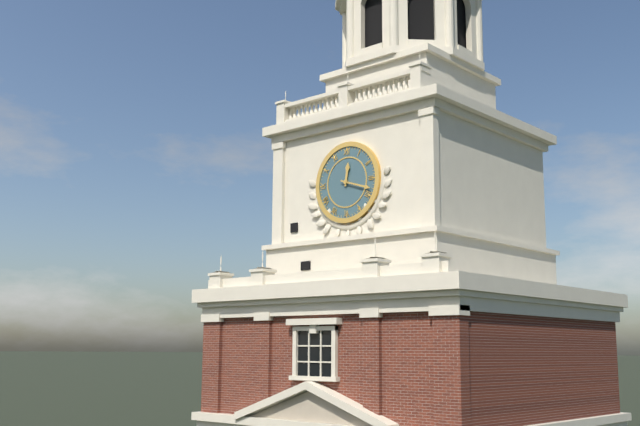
12:18
